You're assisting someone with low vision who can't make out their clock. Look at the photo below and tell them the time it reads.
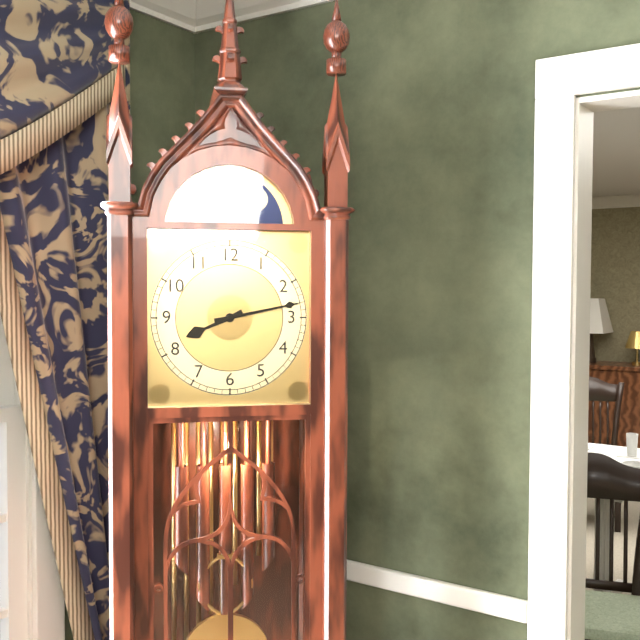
8:13
